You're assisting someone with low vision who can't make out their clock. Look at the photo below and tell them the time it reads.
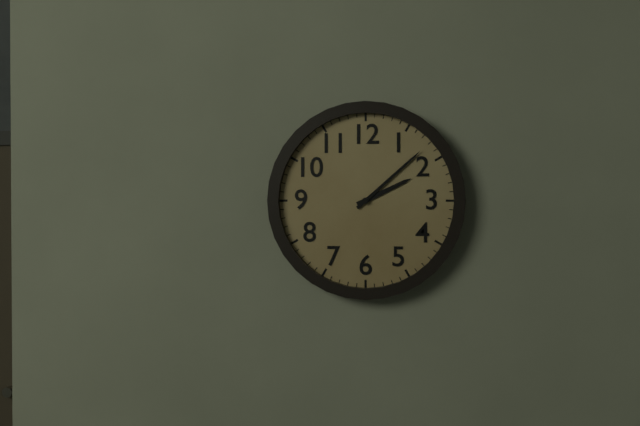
2:08
